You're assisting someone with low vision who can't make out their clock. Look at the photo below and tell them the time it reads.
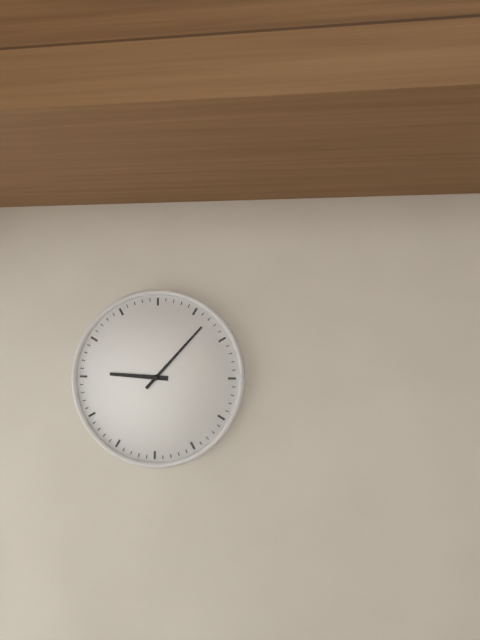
9:07
